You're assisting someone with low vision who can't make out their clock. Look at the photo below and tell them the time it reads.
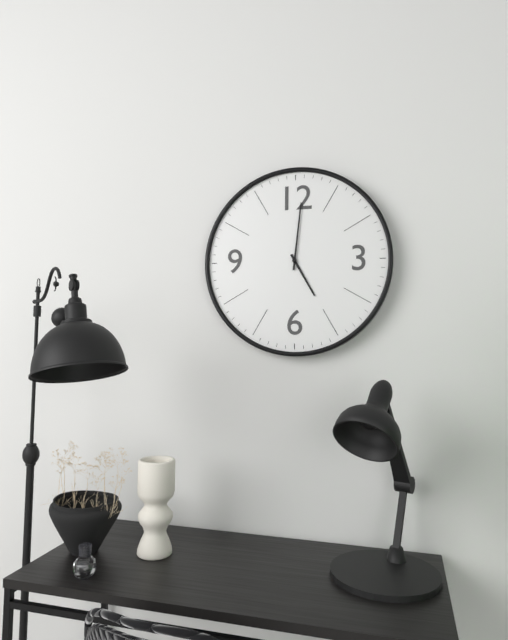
5:01
